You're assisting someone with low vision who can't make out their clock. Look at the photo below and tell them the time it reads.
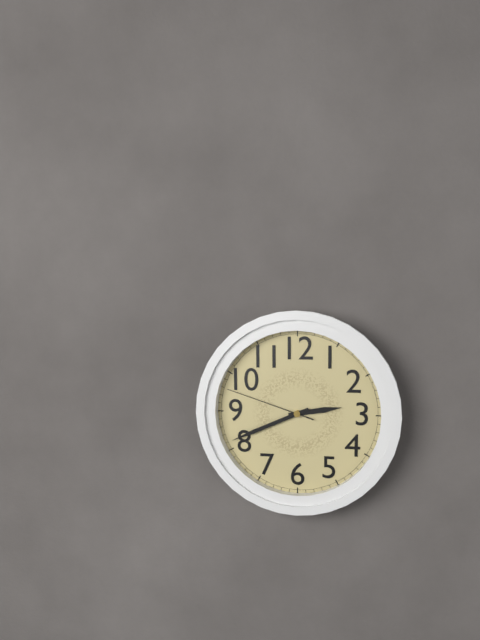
2:41:48
